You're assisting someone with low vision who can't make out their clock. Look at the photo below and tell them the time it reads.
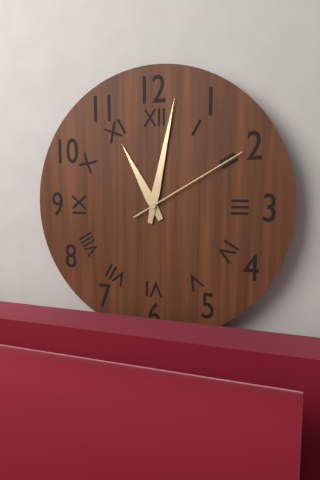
11:02:10
